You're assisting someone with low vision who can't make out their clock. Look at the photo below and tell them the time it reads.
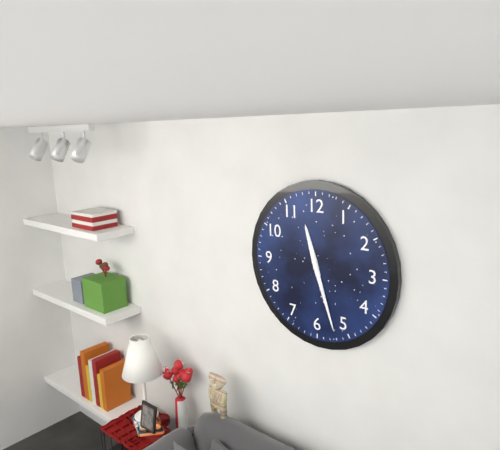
11:27
